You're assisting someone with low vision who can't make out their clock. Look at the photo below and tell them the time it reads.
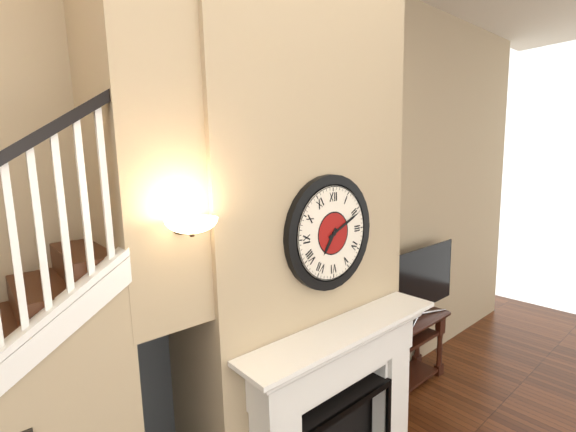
7:11
